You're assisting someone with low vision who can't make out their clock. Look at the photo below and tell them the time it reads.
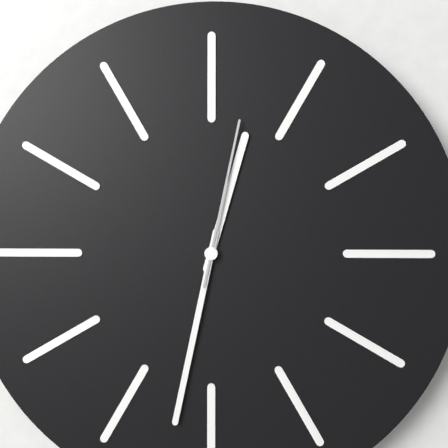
12:32:02
